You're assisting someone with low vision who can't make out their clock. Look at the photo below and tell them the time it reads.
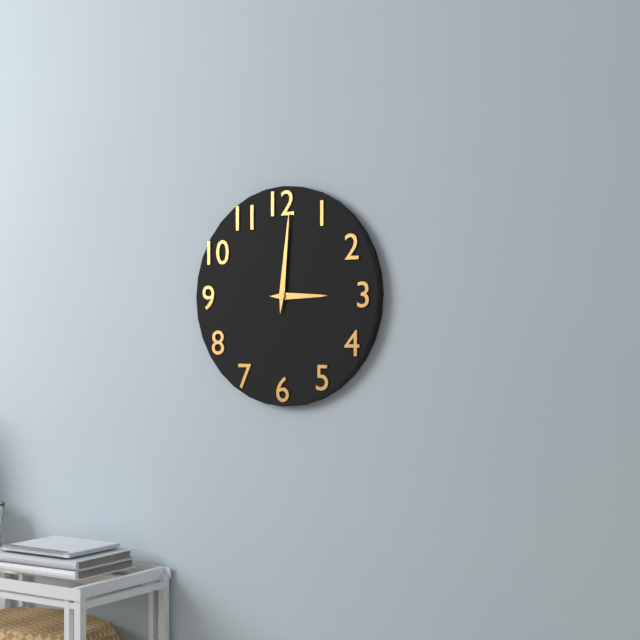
3:01
